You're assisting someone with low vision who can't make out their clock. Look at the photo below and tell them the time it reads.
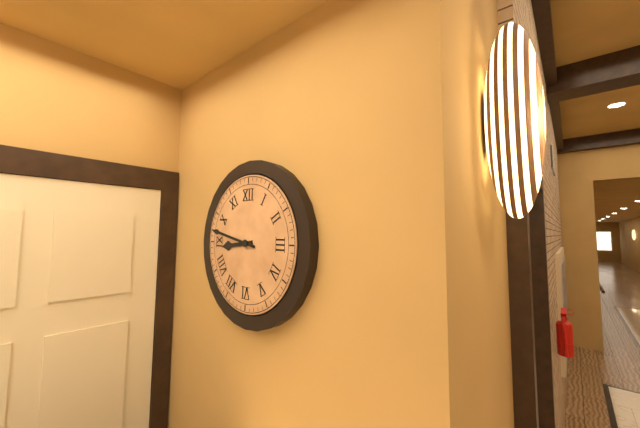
8:47
